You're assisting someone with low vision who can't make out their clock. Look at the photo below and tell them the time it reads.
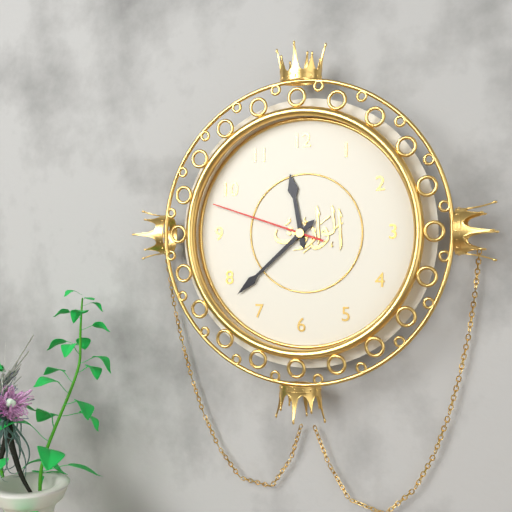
11:38:48
